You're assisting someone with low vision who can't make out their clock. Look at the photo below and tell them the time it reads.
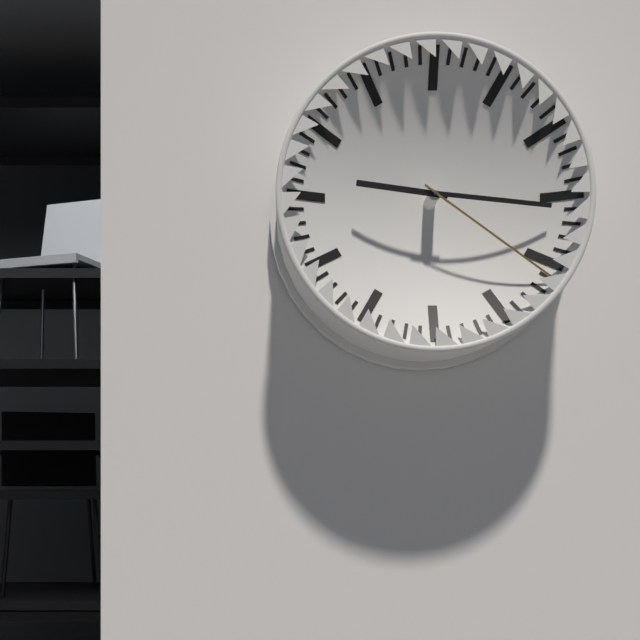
9:16:21
